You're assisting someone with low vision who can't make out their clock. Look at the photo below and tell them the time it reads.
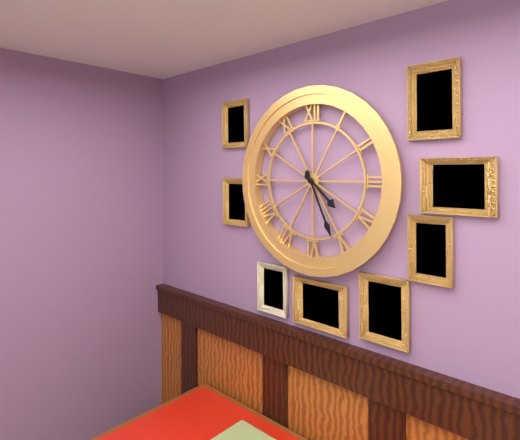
4:26
